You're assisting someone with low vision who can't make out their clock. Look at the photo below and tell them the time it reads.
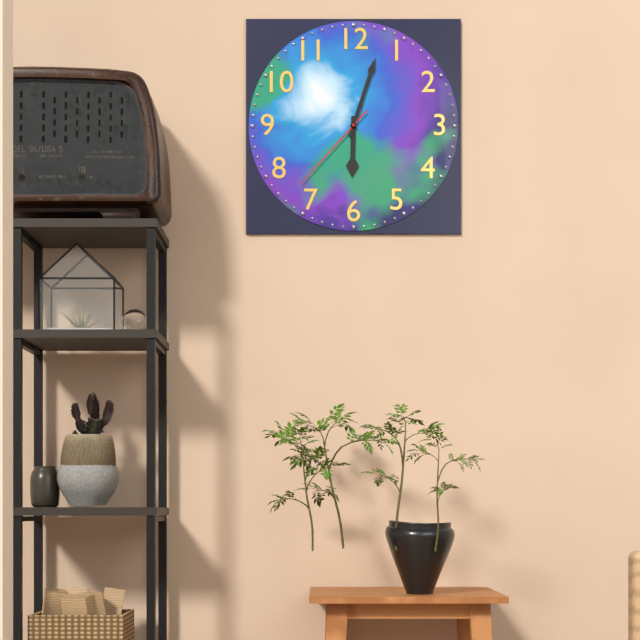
6:03:37
